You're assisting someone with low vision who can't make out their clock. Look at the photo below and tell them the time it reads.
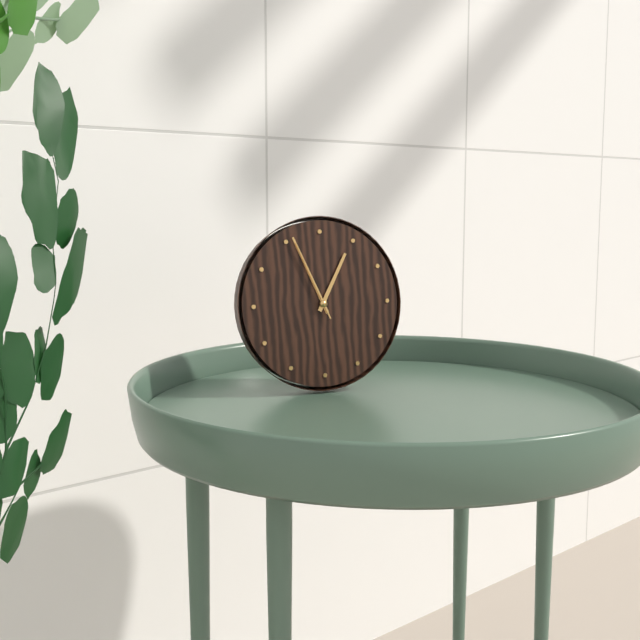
12:56:56
